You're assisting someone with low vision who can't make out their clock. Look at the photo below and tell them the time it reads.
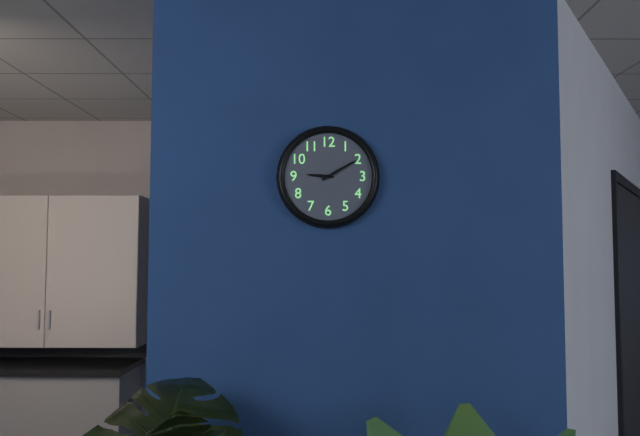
9:10
